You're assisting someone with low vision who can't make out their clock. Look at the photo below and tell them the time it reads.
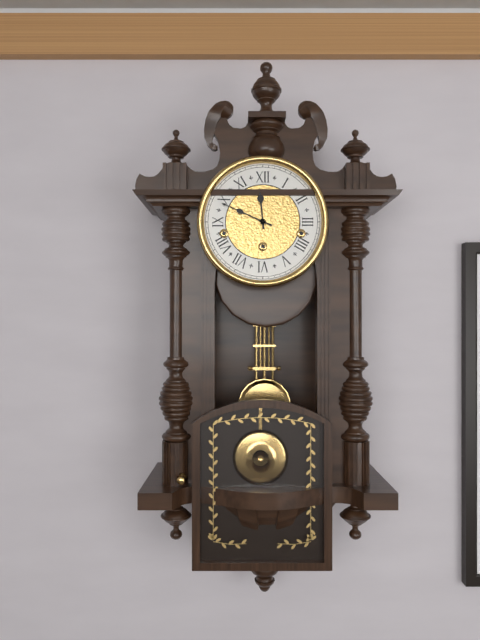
11:49
